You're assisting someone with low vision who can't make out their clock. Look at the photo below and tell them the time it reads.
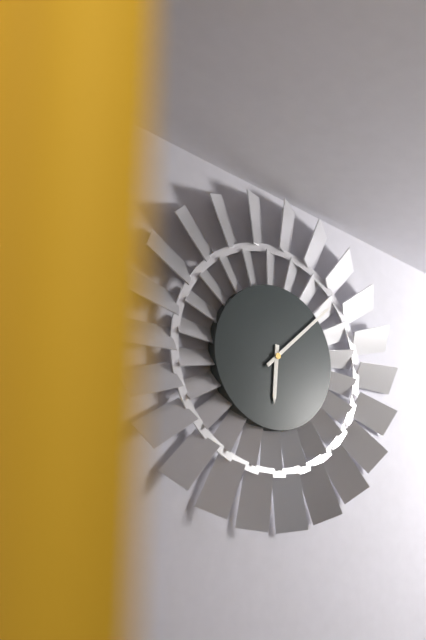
6:08
